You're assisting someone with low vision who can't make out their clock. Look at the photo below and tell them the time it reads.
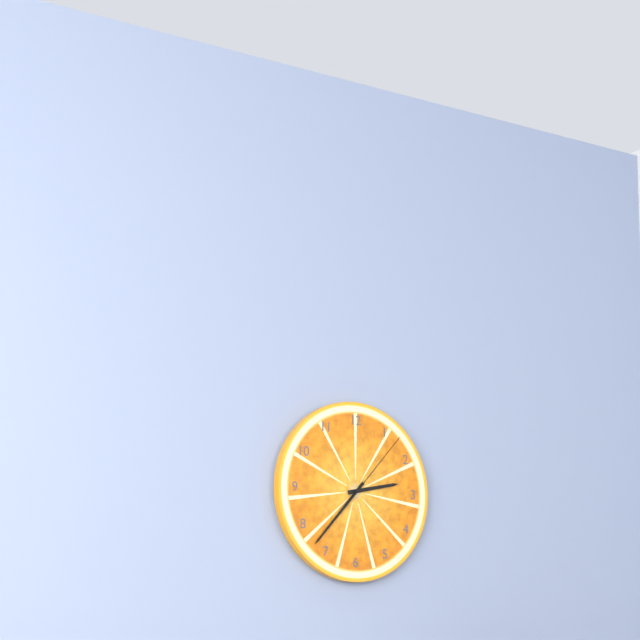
2:37:07
